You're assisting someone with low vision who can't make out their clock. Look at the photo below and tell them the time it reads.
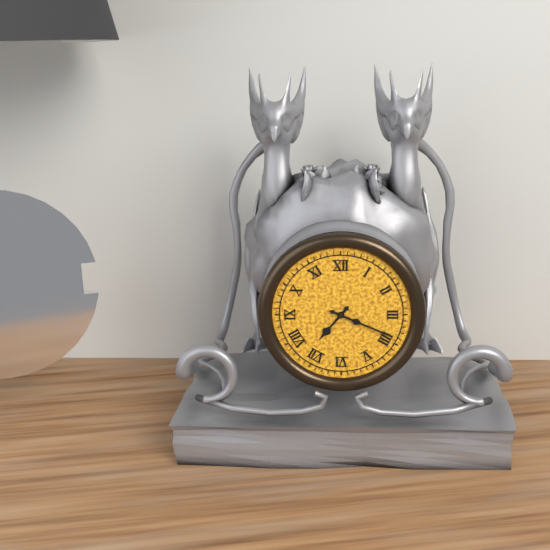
7:19
